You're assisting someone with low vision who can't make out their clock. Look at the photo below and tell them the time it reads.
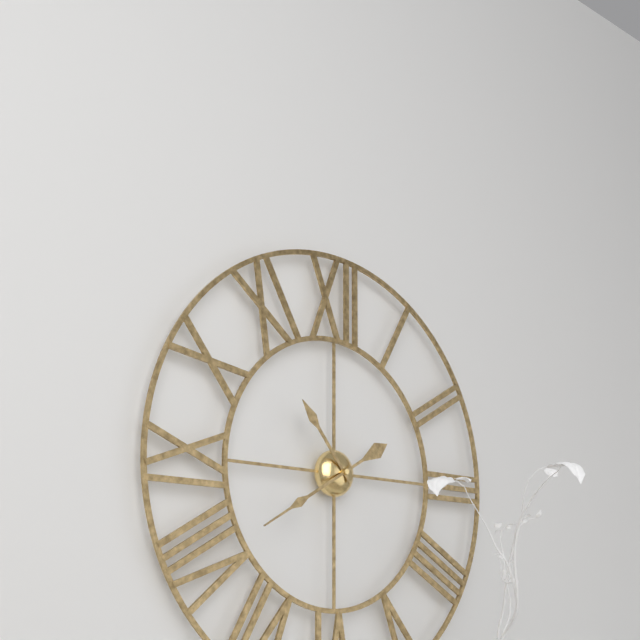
10:40
